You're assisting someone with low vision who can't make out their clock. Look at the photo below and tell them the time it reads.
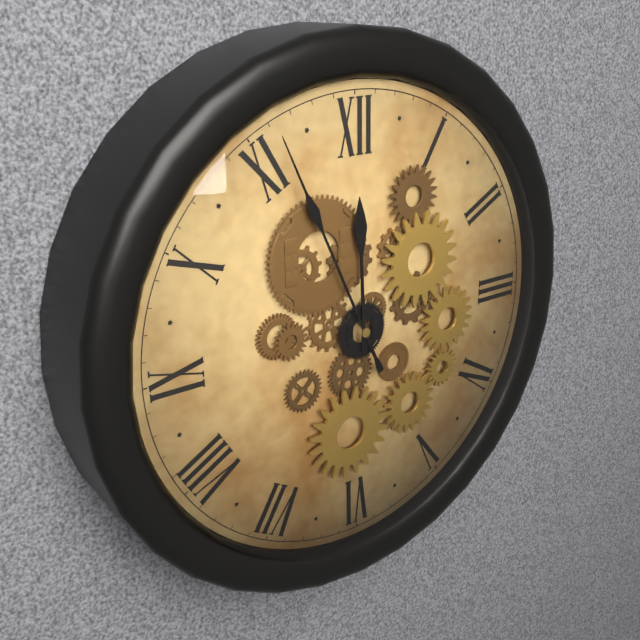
11:56
